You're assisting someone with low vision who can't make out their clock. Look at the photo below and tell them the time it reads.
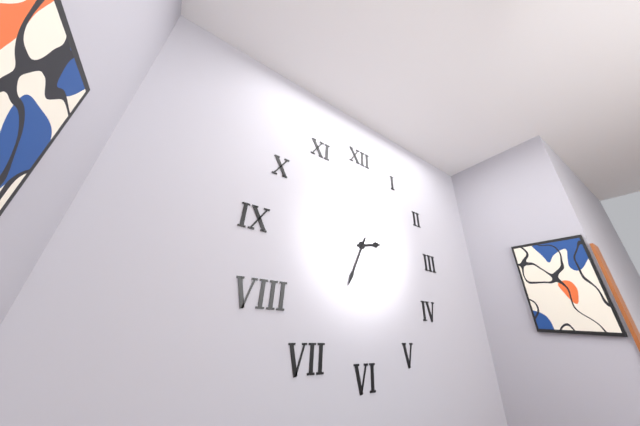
2:34
